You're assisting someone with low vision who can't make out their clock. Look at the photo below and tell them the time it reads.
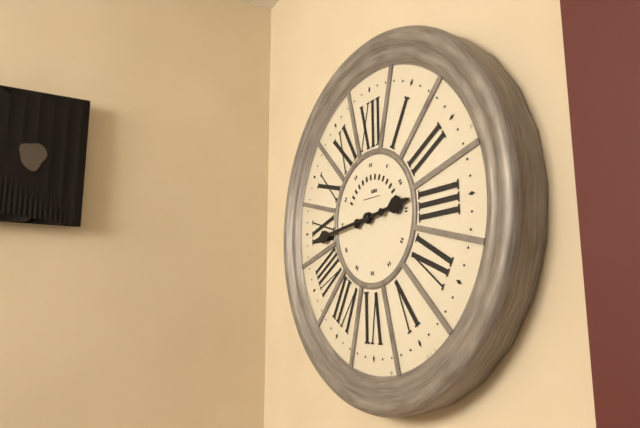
2:44
